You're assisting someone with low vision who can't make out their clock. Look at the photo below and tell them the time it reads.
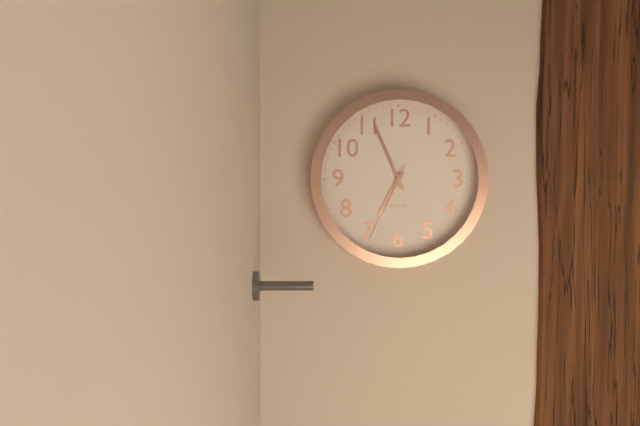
6:56:34
